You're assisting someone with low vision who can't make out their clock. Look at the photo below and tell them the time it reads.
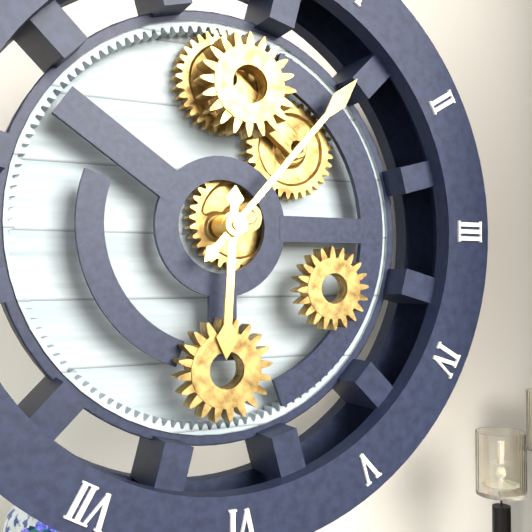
6:07
